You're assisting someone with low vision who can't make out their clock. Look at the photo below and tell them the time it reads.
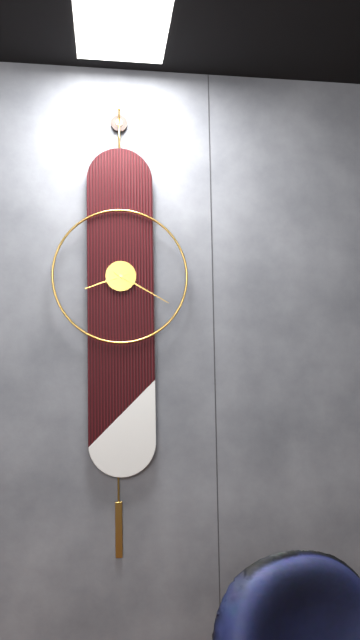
8:20
